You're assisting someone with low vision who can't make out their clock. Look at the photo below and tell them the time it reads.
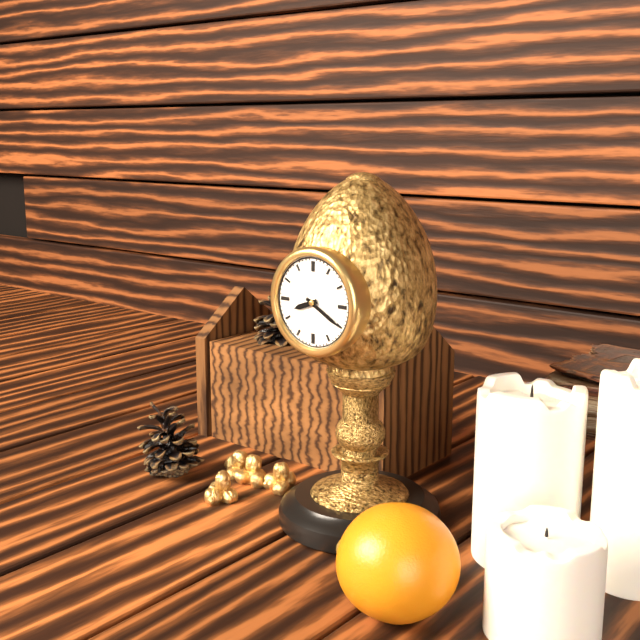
8:20
